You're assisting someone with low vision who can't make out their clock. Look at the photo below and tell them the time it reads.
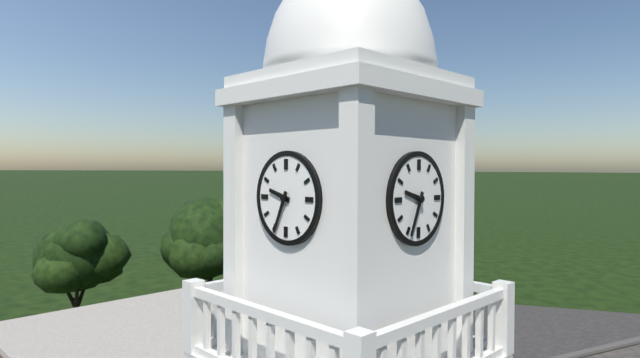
9:34
